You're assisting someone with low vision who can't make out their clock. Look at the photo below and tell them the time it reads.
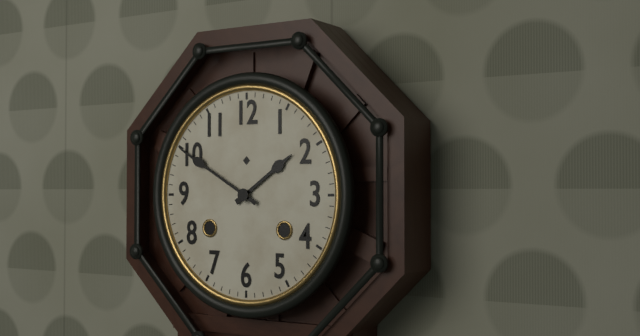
1:50
